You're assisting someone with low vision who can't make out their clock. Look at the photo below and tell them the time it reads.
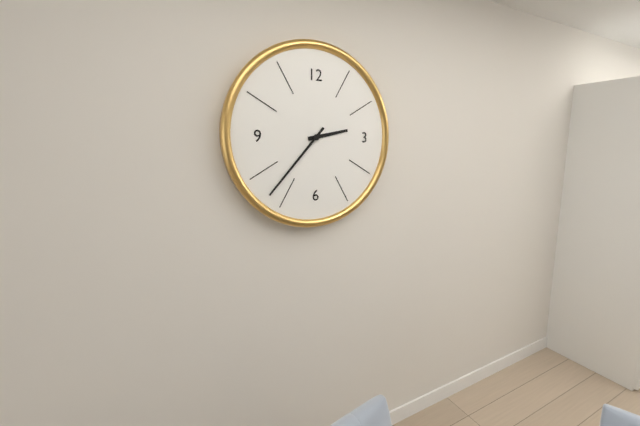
2:37
